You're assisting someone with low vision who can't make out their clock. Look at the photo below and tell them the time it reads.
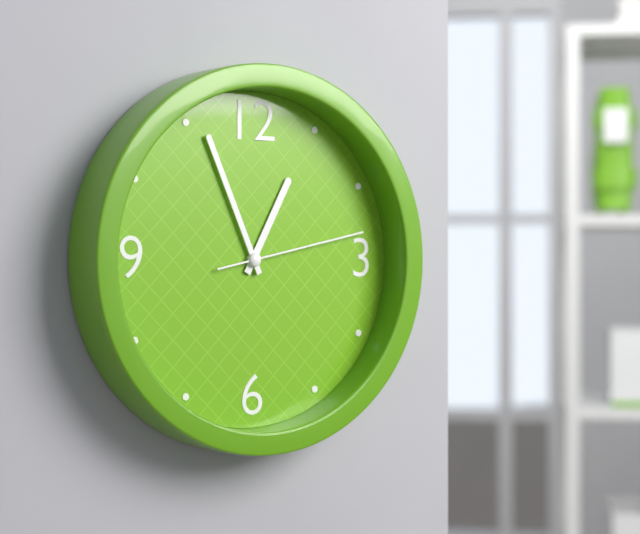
12:56:13
